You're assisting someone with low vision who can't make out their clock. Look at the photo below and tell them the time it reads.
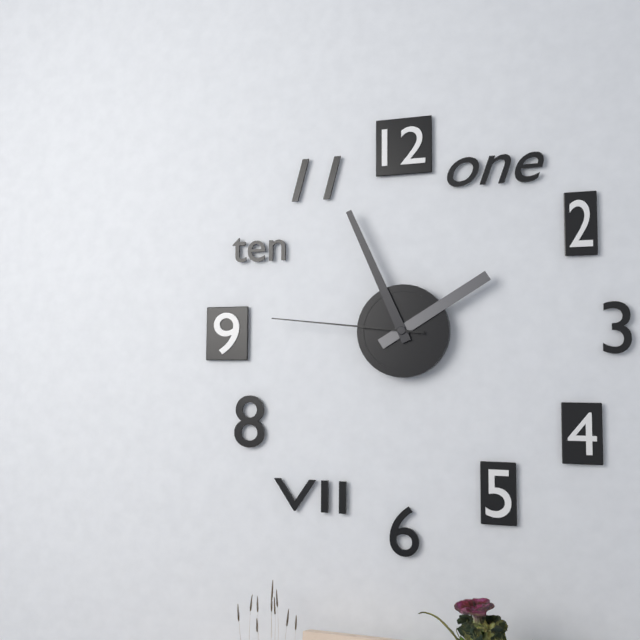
1:56:46
